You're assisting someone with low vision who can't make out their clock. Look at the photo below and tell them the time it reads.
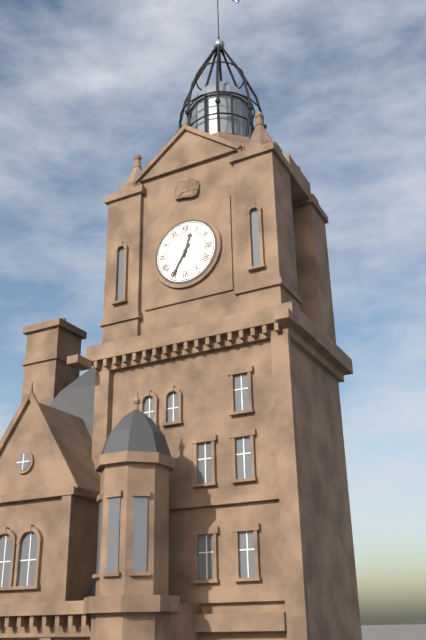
12:35
